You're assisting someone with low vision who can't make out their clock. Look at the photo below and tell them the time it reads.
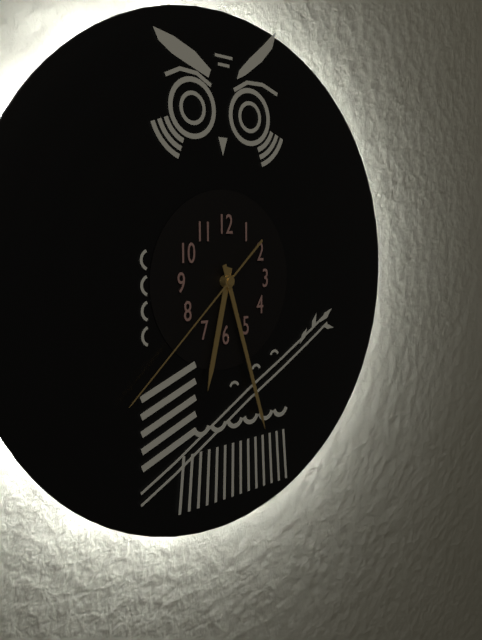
6:27:38
